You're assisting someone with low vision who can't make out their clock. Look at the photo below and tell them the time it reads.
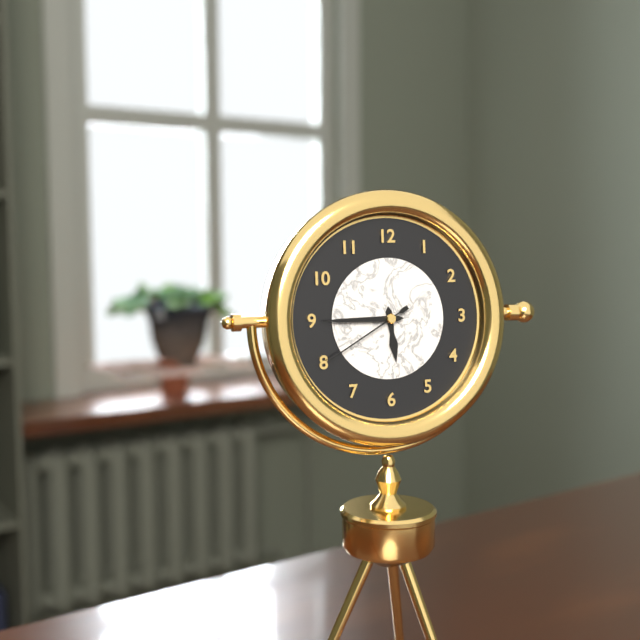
5:45:40
